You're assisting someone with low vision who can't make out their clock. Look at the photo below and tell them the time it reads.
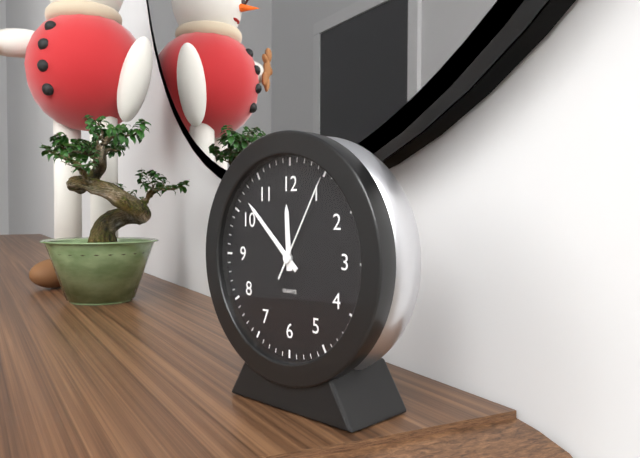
11:52:05
